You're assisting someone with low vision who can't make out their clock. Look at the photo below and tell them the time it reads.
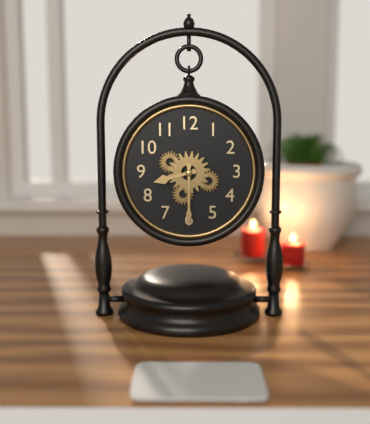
8:30
